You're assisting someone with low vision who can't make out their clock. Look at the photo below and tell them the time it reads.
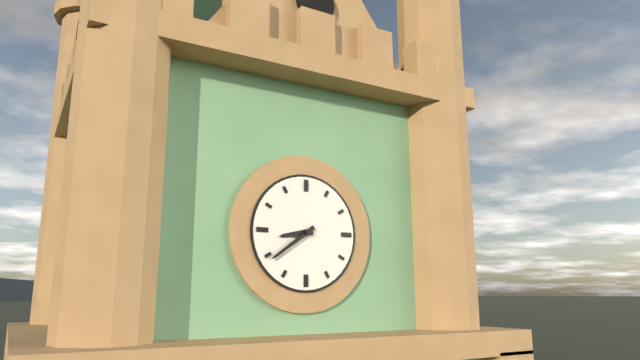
8:39
